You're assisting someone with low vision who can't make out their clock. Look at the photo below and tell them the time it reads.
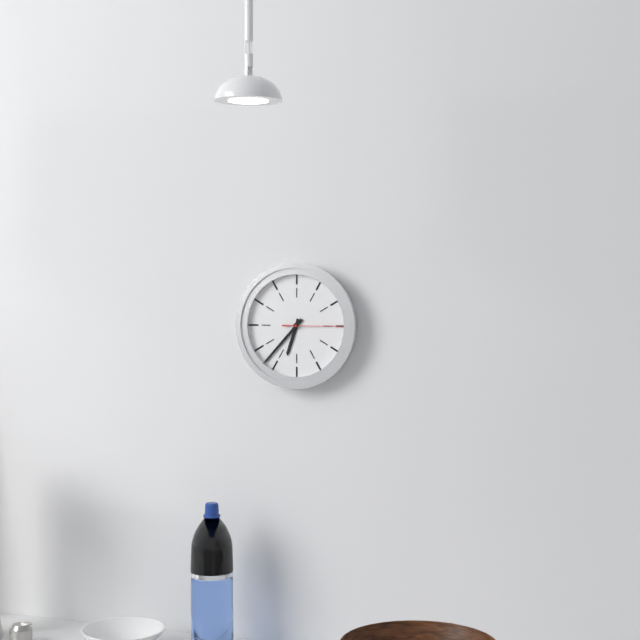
6:37:15
